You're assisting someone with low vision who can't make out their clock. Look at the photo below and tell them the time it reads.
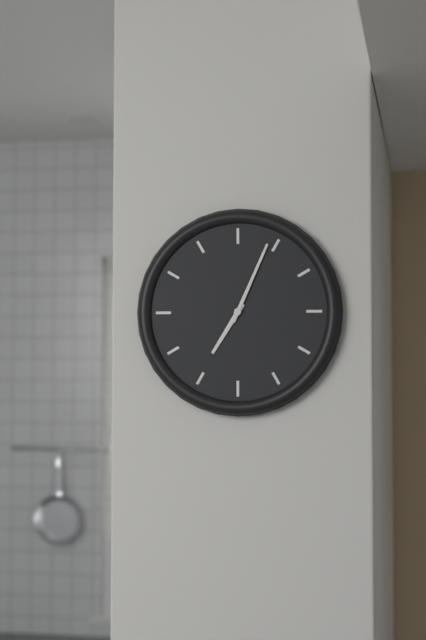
7:04
